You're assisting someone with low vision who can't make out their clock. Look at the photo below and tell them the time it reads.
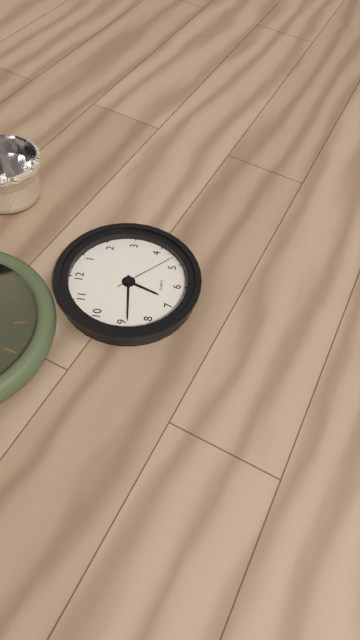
6:44:23
